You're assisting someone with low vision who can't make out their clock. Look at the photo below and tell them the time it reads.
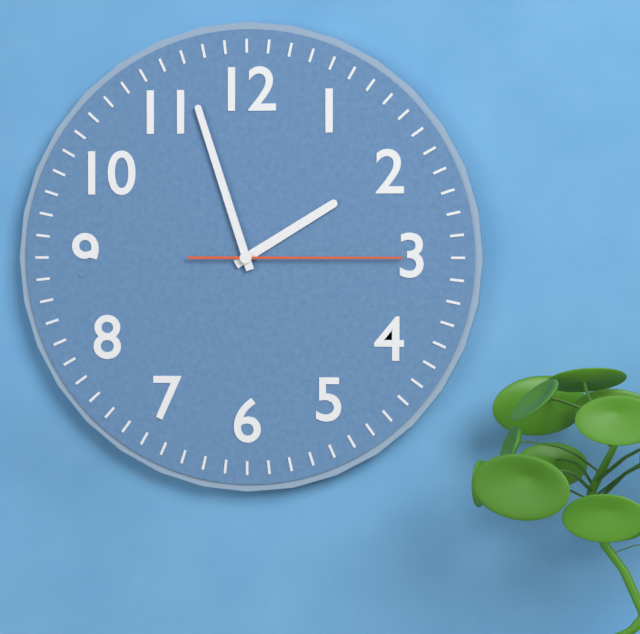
1:57:15
